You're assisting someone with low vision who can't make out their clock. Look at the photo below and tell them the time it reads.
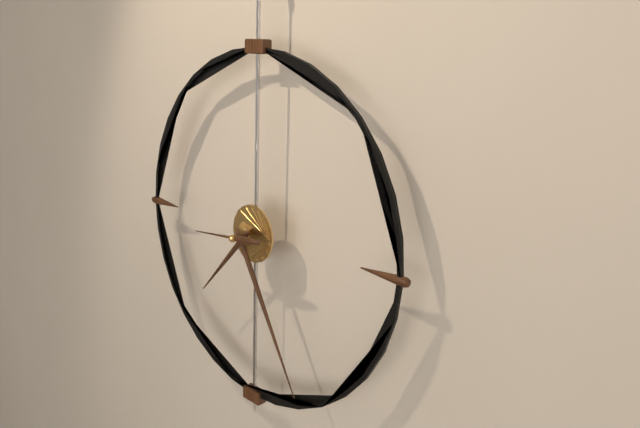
7:25:44
